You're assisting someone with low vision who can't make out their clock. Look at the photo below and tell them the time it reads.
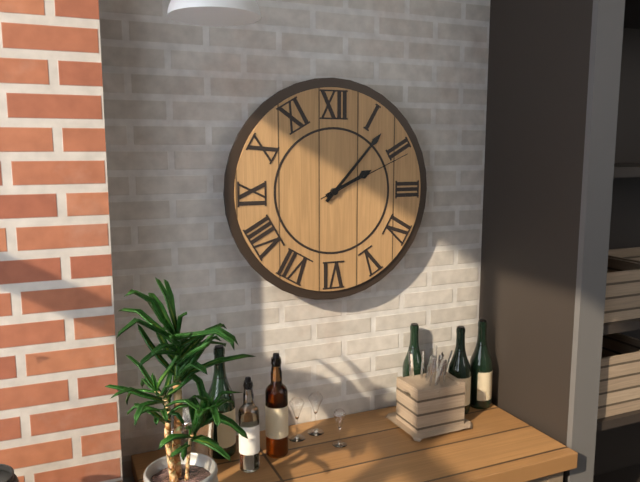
2:07:11
